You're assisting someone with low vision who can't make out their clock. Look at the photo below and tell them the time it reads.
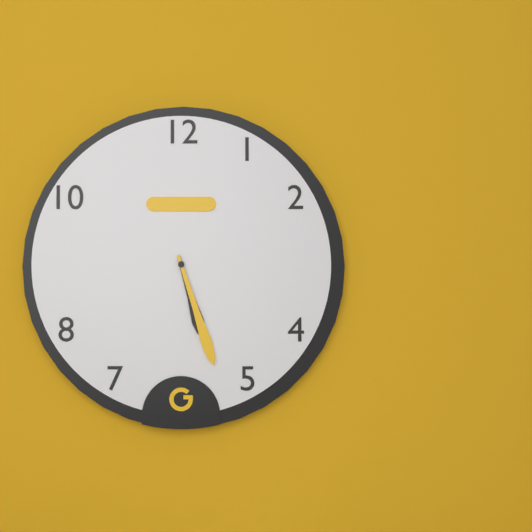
5:27
